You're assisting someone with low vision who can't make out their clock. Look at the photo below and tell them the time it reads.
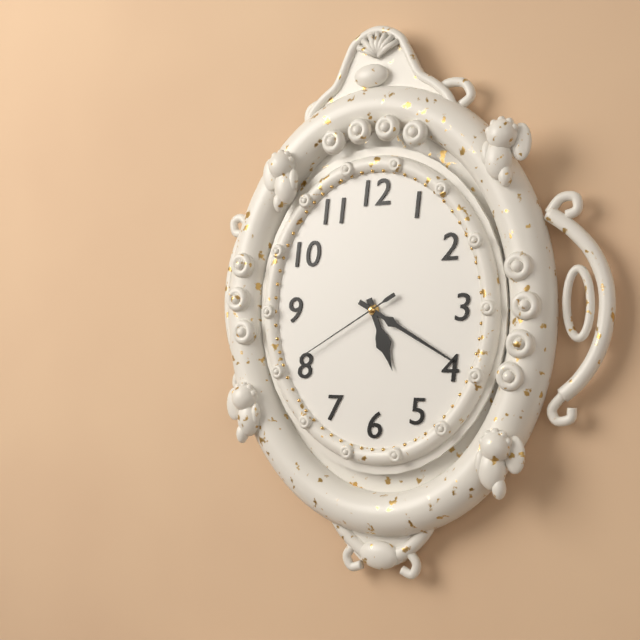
5:20:40
